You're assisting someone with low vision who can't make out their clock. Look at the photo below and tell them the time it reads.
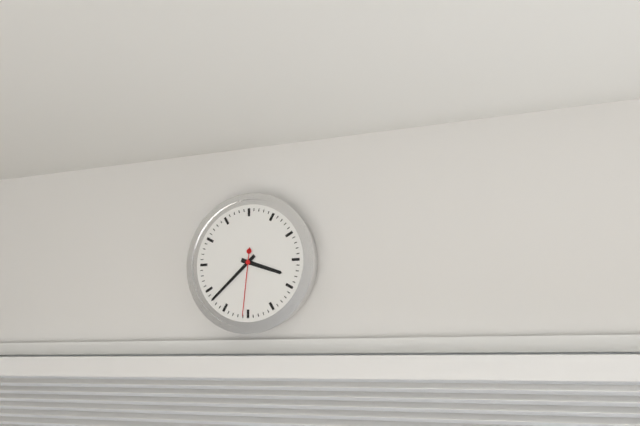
3:38:31
